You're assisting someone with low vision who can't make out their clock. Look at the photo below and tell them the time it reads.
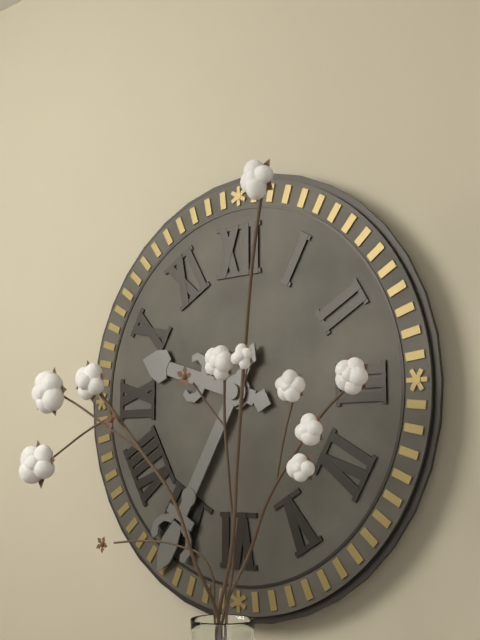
9:35
